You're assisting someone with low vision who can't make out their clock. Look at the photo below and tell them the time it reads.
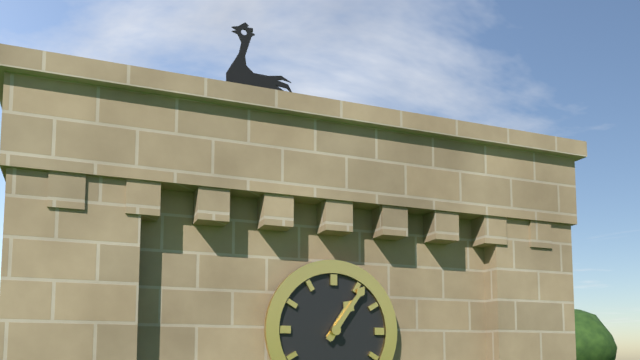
1:06
